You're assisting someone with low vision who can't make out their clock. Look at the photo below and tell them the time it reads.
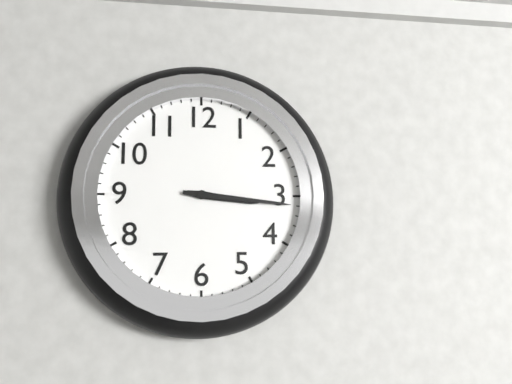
3:16
